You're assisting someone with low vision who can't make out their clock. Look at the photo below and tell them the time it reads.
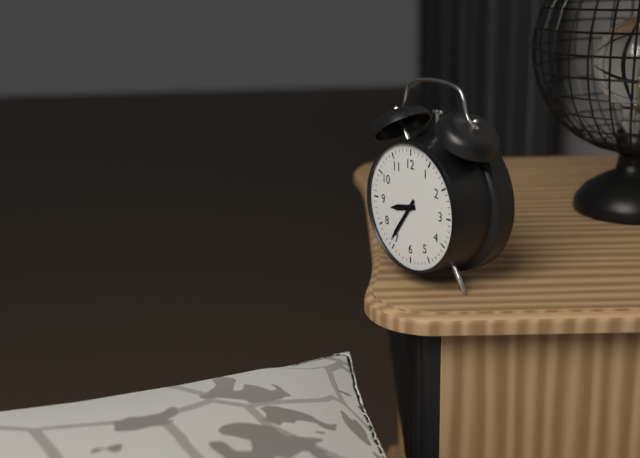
8:36
